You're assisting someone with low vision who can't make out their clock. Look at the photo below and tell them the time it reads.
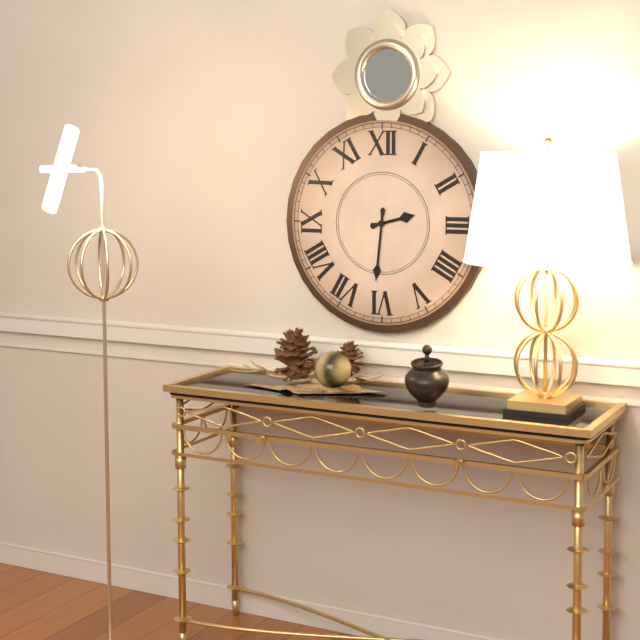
2:31
